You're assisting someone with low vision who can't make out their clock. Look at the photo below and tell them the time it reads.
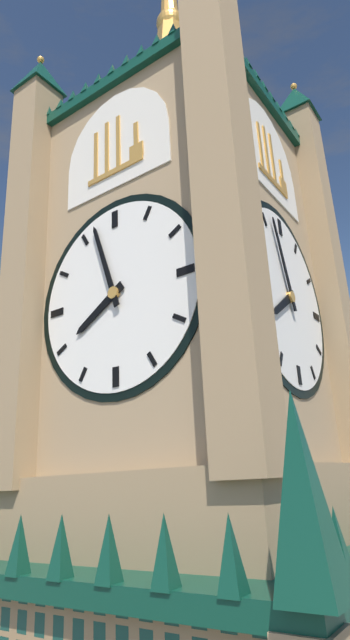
7:57
